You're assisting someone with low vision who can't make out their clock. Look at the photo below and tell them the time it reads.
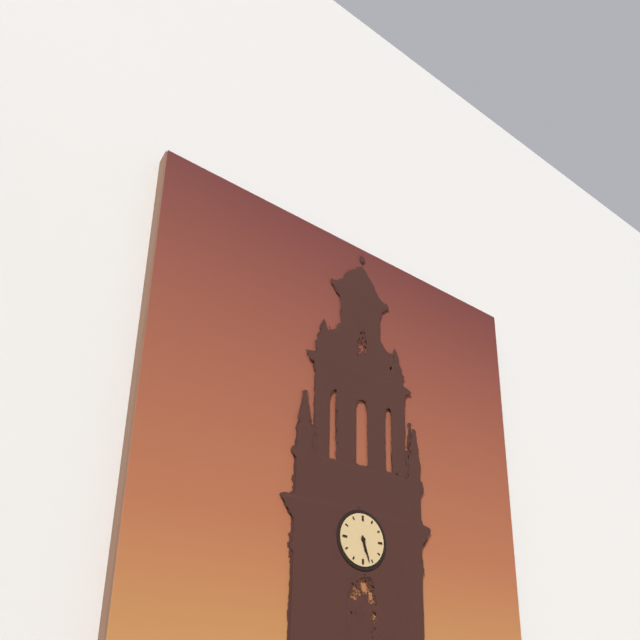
5:27
